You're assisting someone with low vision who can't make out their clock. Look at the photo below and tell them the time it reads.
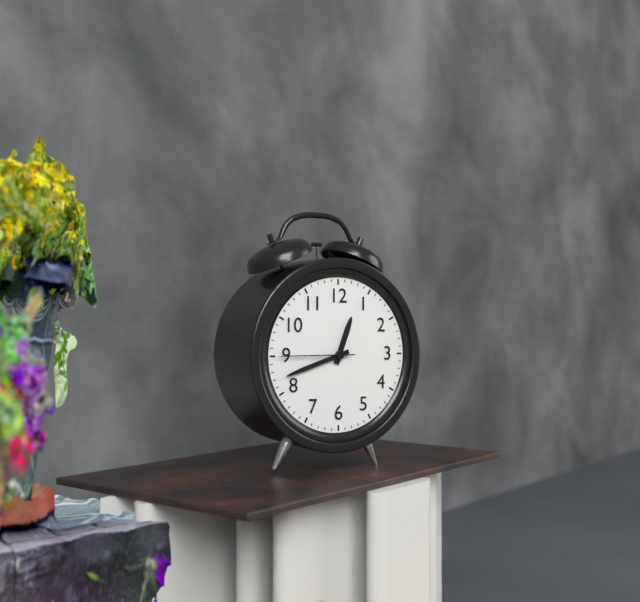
12:42:45
